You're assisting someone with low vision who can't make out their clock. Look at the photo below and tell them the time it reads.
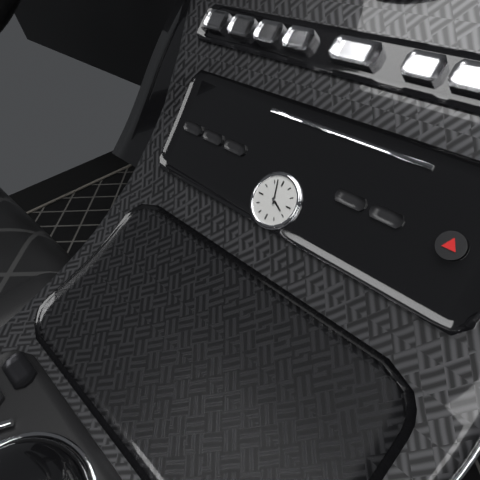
3:57
